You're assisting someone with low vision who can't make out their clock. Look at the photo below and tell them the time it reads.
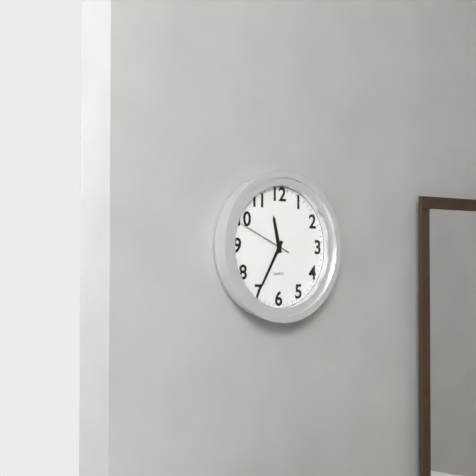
11:35:49
